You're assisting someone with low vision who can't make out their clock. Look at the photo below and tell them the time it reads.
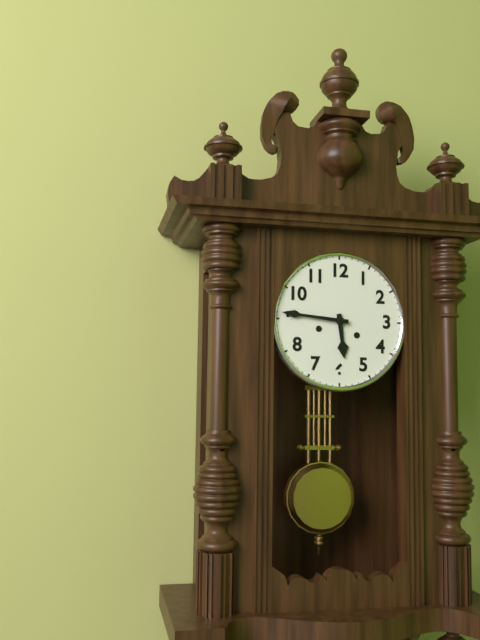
5:46
